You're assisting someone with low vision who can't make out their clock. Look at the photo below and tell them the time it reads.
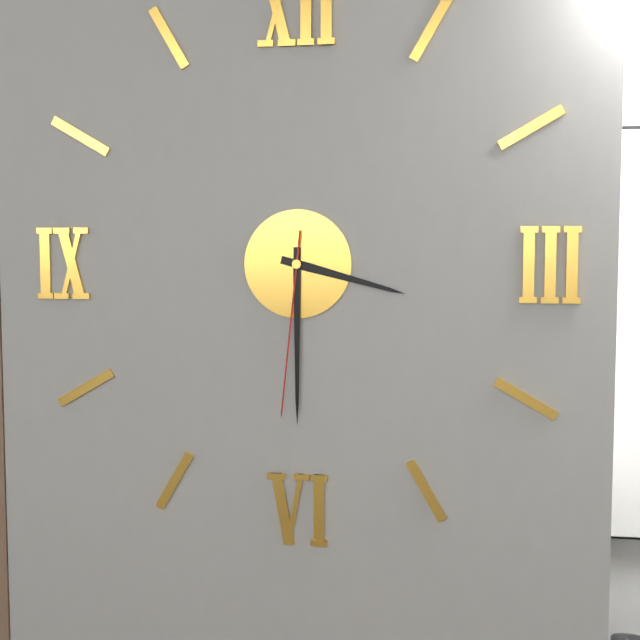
3:30:31
